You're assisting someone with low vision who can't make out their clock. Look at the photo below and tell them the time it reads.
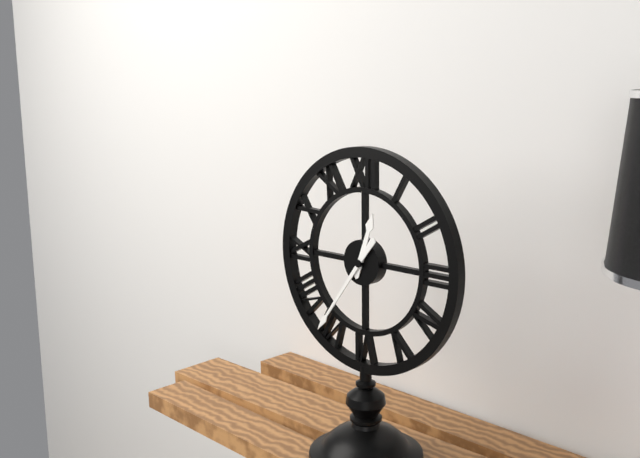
12:36
